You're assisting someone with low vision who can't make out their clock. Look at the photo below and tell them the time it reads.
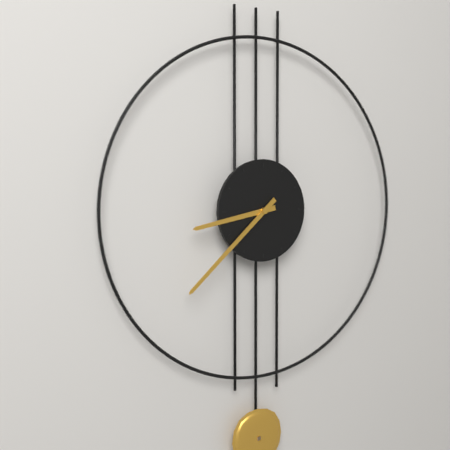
8:38
